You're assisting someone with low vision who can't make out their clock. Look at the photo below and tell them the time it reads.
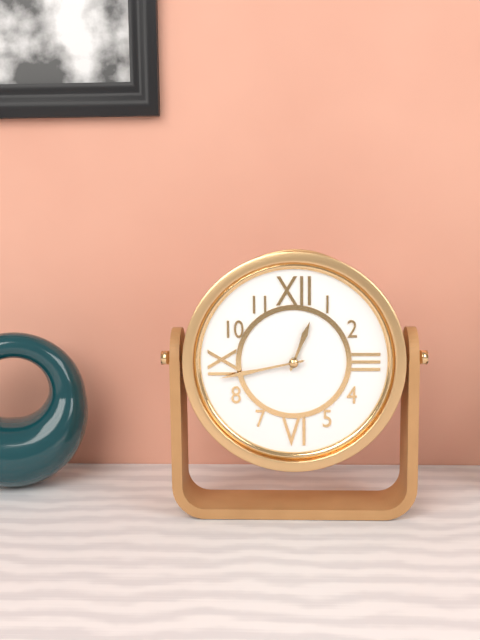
12:43
